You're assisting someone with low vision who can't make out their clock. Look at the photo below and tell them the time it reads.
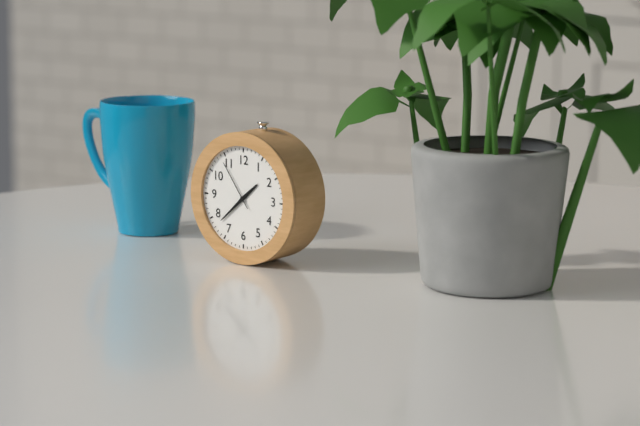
1:38:54
